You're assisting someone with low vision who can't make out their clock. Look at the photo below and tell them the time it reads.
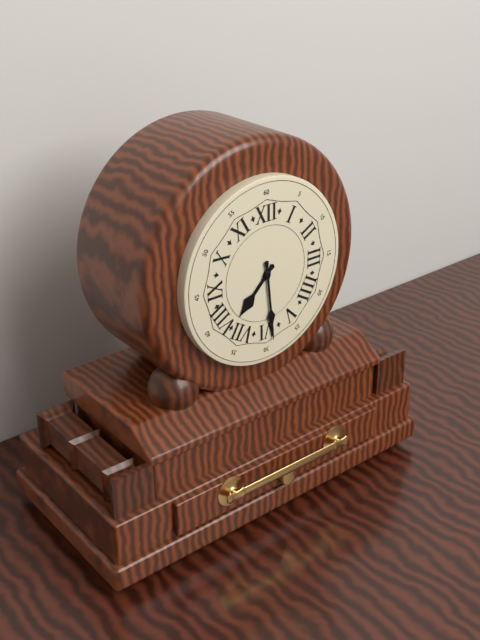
7:29
